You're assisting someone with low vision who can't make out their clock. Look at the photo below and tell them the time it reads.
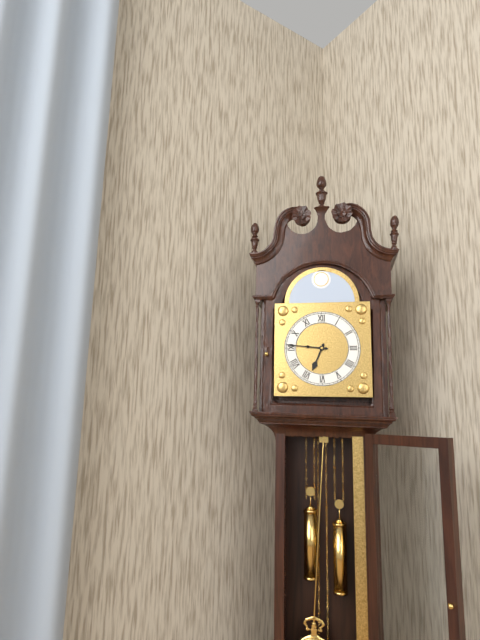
6:46
